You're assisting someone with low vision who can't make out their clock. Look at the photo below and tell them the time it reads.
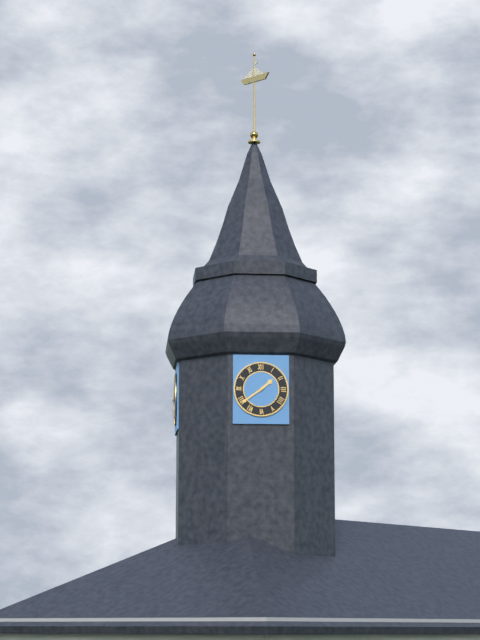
1:39
